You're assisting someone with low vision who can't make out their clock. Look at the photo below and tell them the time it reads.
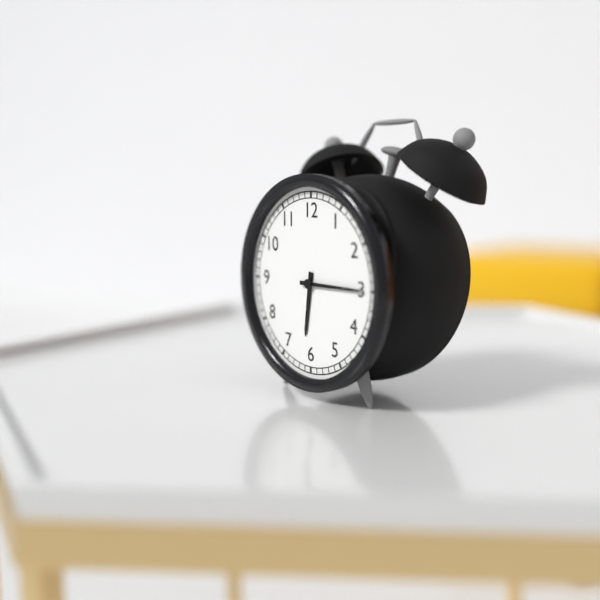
6:15
